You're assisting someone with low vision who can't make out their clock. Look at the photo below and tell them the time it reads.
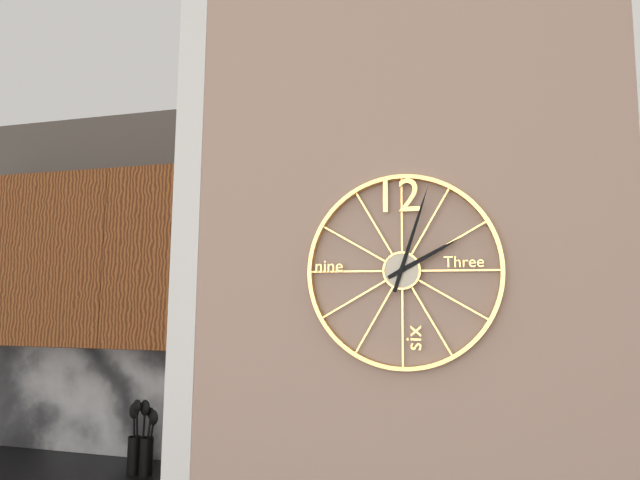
2:03
